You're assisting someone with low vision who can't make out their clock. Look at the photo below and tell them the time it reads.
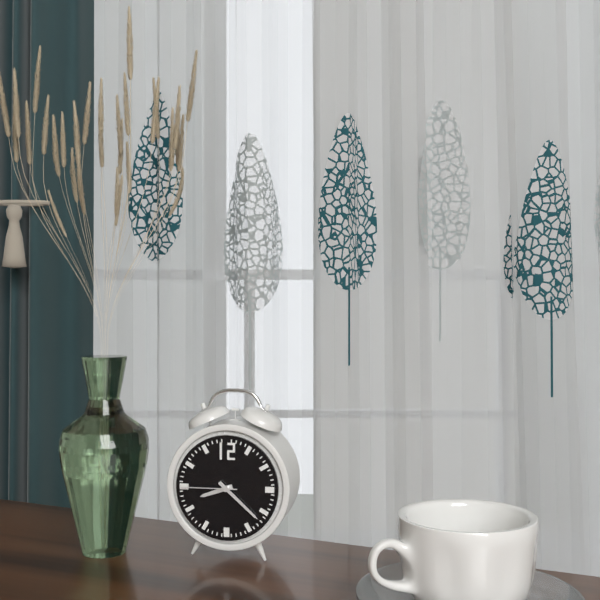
8:22:45
